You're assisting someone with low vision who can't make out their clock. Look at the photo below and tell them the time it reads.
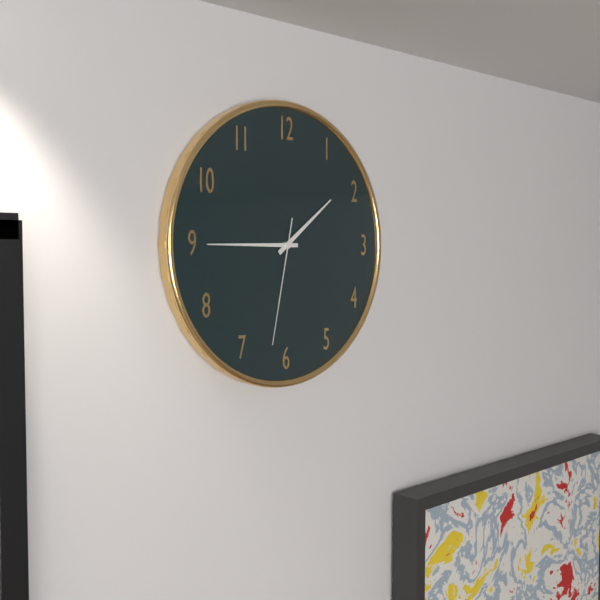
1:45:32
